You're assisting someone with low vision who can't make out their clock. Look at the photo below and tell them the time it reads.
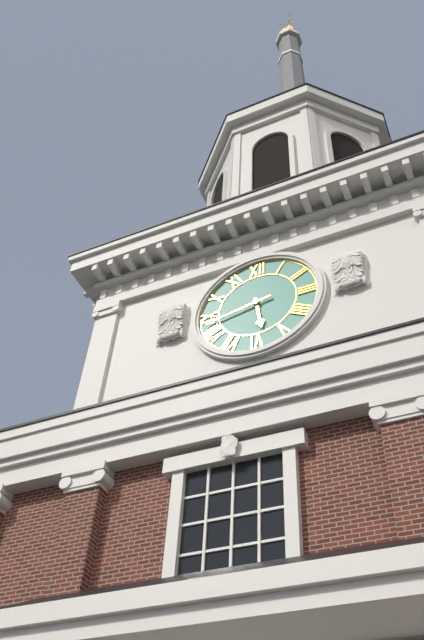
5:43
